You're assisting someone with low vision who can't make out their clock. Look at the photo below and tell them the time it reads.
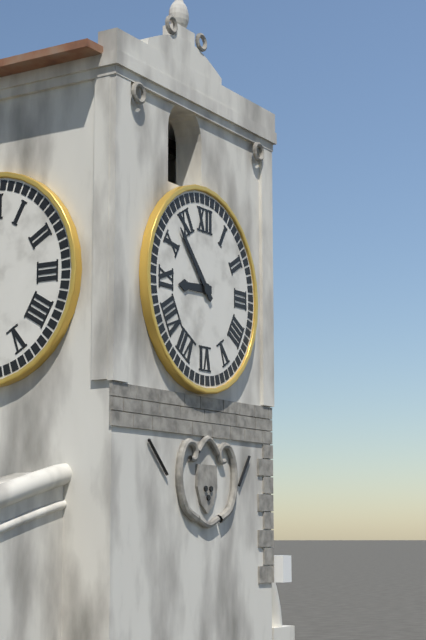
8:53
